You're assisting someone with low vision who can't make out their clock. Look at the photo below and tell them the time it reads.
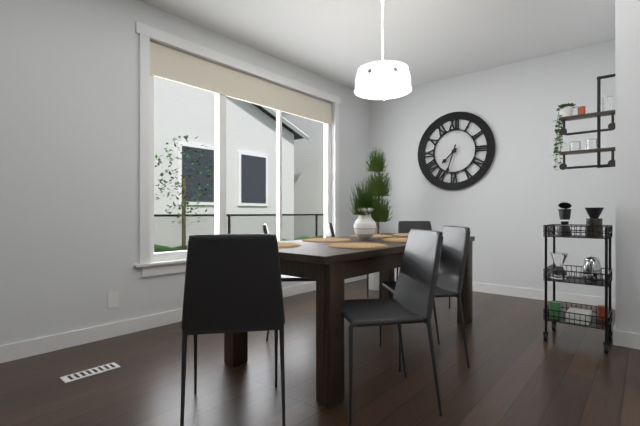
7:33
